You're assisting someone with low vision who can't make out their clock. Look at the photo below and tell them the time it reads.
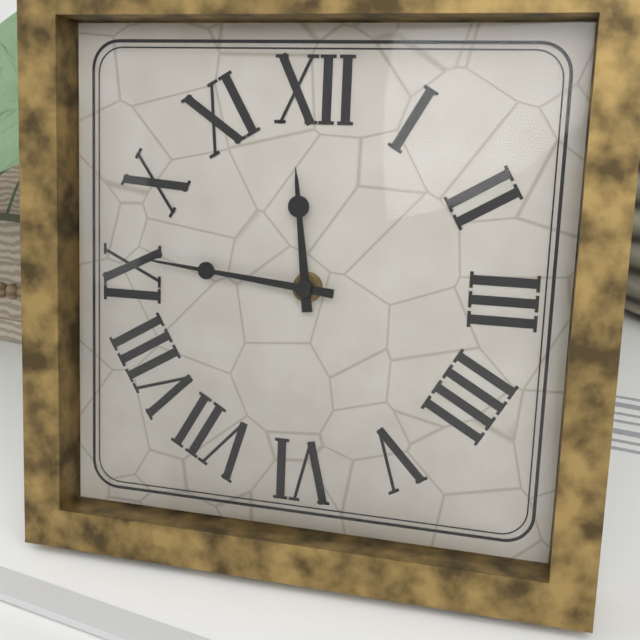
11:46
